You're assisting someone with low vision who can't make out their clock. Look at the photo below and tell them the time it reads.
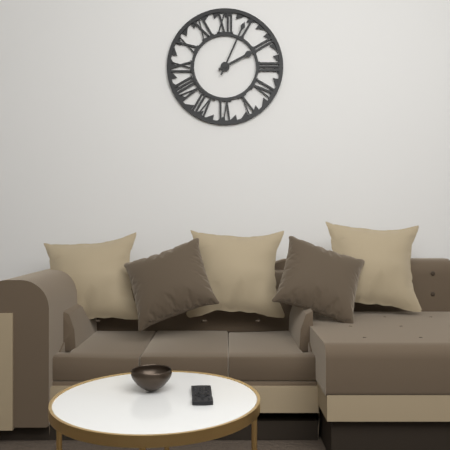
2:04
